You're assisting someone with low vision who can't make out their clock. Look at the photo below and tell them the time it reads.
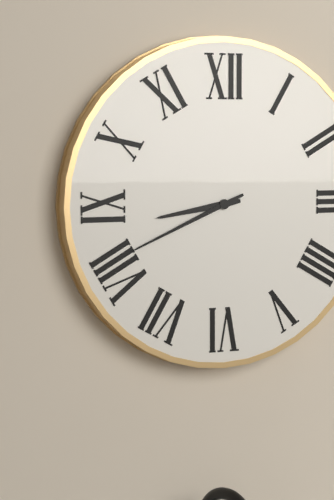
8:41
